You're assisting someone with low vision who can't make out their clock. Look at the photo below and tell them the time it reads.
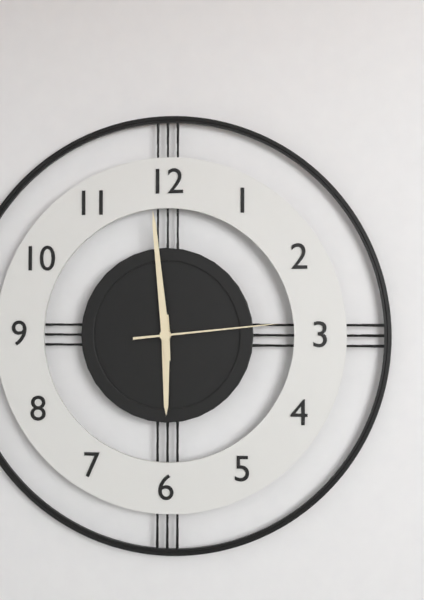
5:59:14
